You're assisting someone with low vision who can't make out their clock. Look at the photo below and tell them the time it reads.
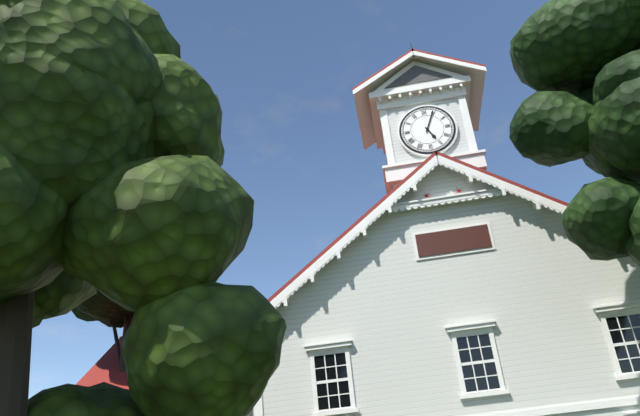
5:04
